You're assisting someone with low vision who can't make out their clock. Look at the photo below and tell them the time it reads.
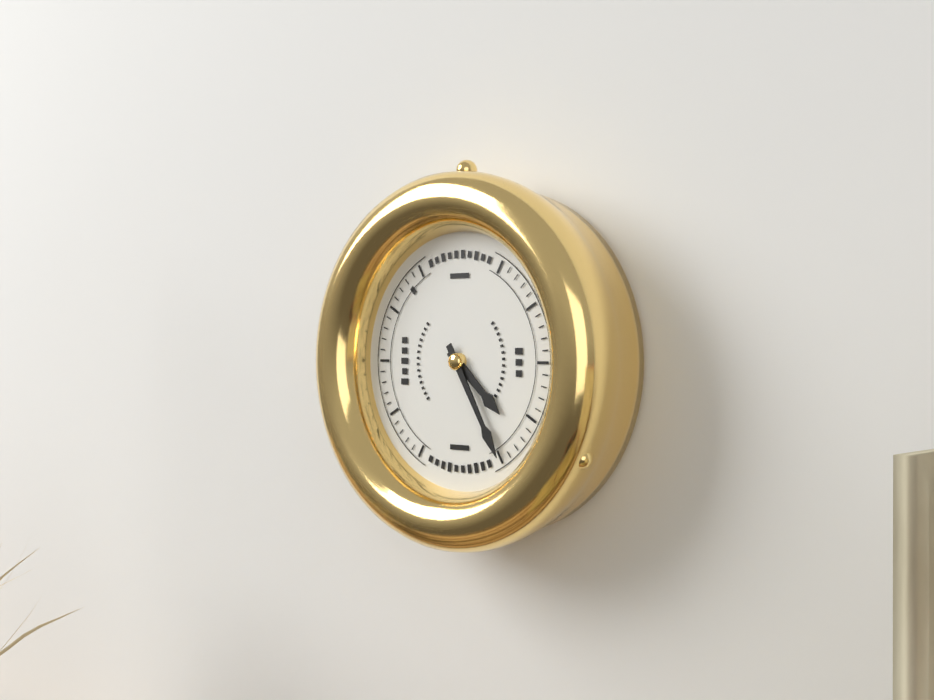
4:25
